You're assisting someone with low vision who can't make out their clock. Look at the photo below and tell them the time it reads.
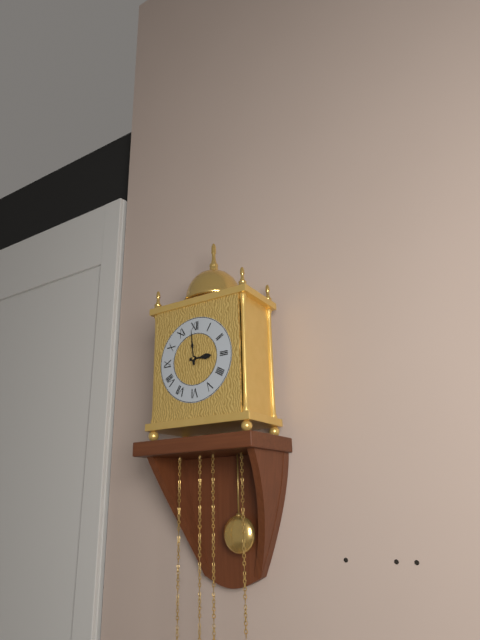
2:59
